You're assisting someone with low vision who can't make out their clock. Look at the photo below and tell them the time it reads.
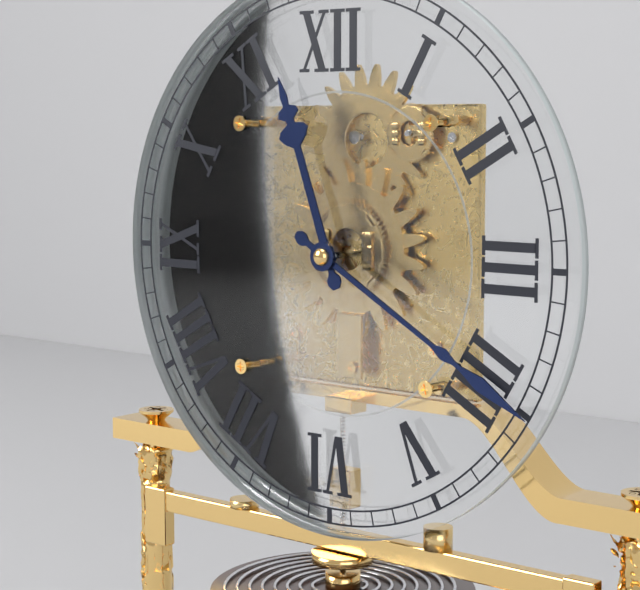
11:20
